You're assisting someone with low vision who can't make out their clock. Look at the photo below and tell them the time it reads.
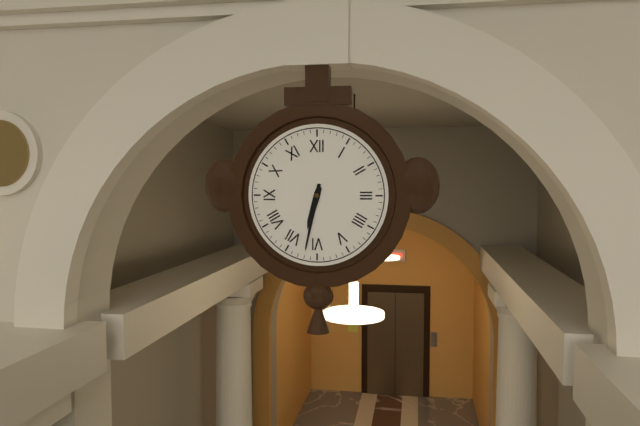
6:32
